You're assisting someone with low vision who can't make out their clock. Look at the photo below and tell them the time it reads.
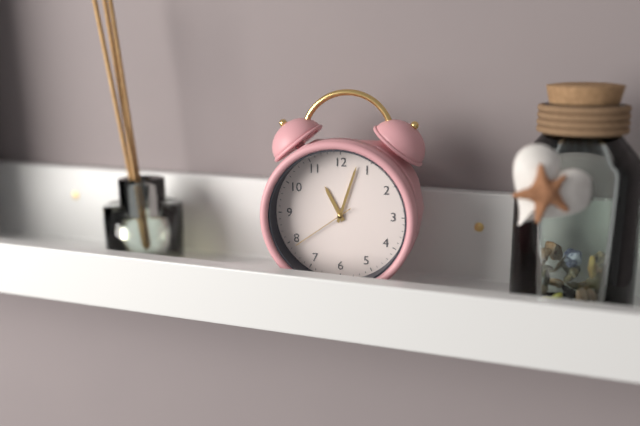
11:03:39
